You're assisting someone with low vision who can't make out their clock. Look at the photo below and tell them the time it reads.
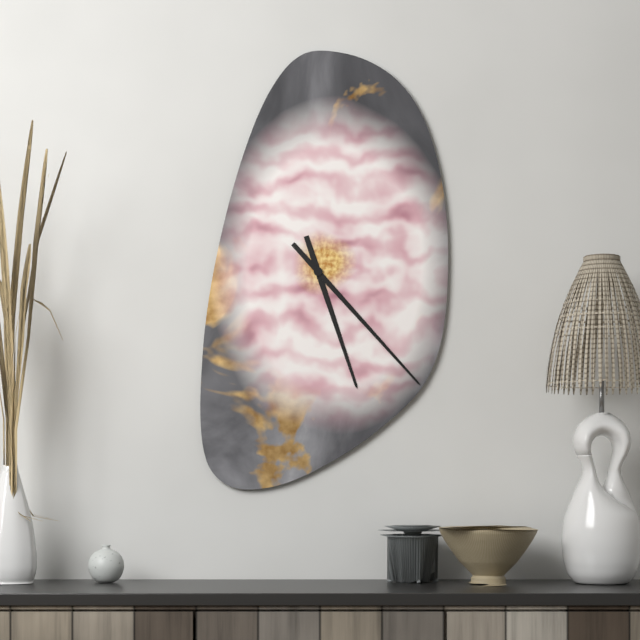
5:23
